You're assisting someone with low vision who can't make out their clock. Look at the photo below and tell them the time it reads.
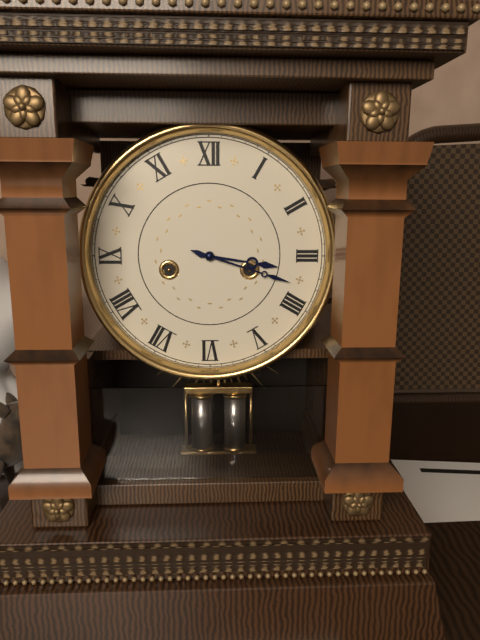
3:18
